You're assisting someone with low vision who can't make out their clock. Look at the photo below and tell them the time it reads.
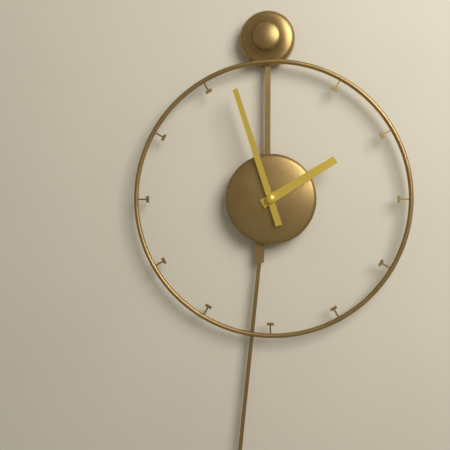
1:57
